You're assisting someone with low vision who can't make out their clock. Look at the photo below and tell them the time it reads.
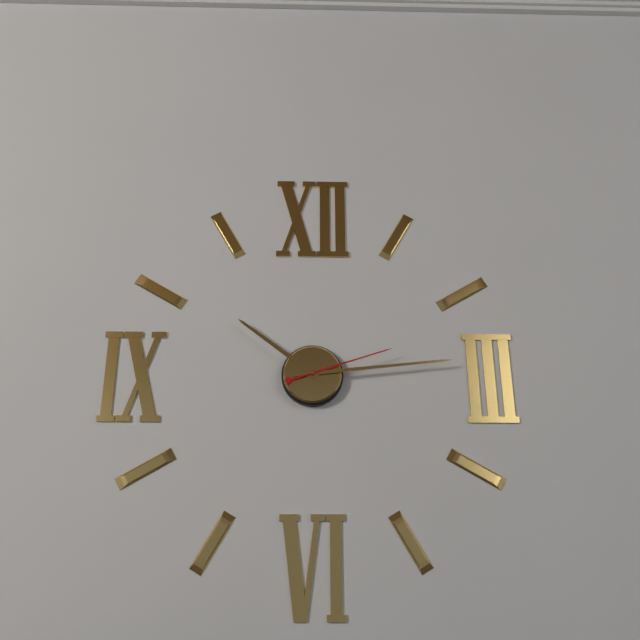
10:14:12
